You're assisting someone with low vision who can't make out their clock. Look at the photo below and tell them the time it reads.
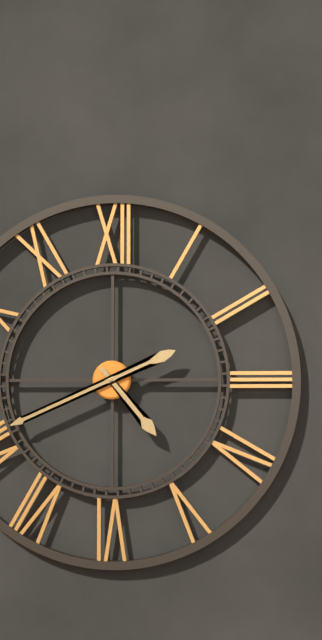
4:41
